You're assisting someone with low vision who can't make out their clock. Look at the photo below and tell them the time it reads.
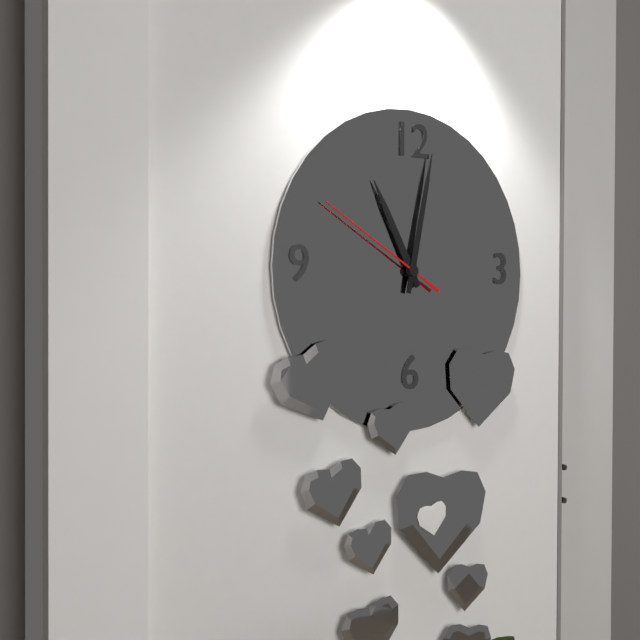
11:02:50
